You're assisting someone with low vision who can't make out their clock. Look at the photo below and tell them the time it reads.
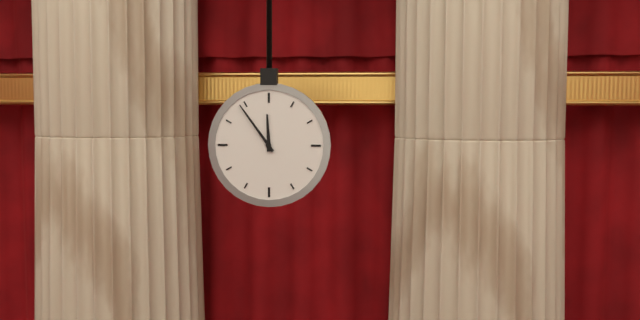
11:54
